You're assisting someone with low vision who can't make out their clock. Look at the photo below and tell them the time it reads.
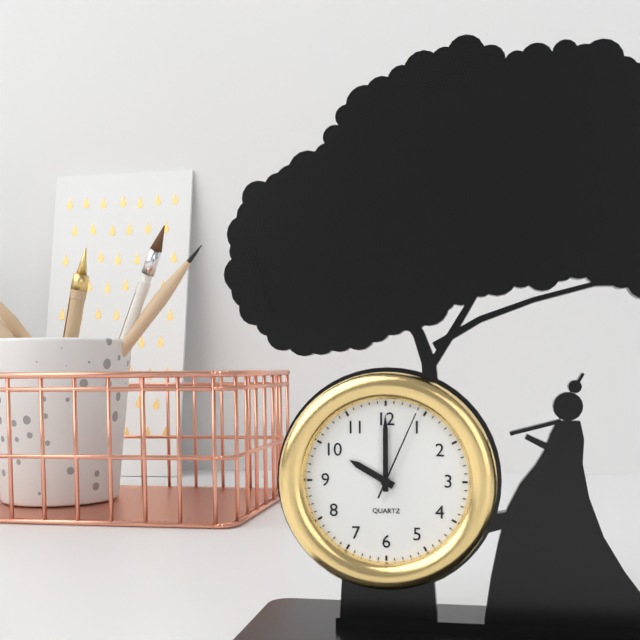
10:00:04
